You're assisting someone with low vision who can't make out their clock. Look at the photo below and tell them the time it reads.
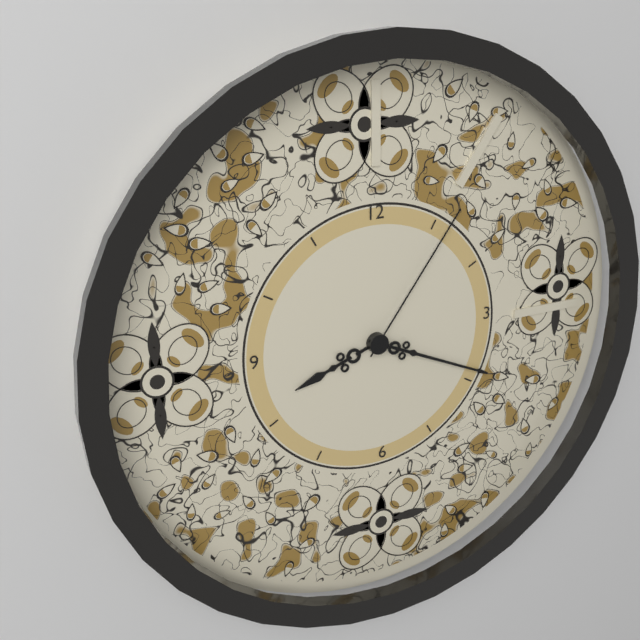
8:19:06
